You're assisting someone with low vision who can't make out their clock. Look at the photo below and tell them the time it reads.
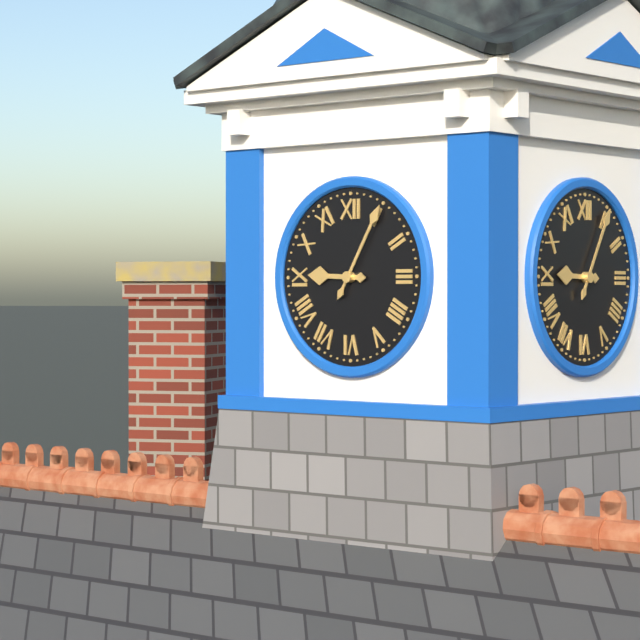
9:05
